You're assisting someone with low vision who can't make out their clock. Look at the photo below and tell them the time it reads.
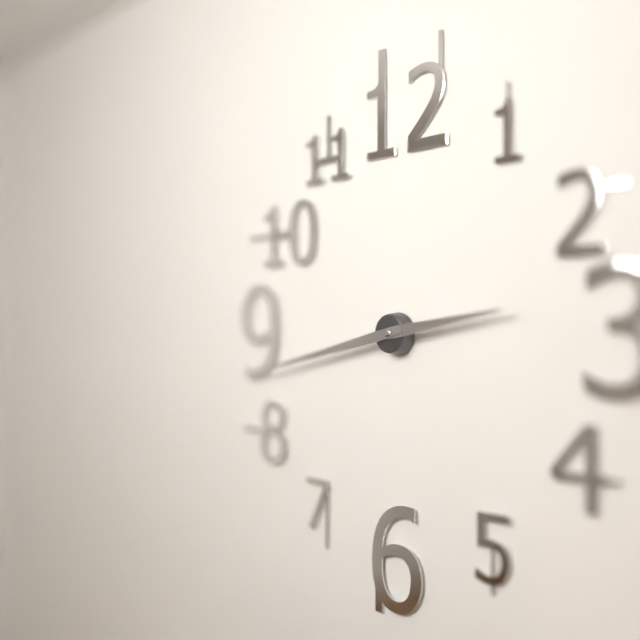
2:43
